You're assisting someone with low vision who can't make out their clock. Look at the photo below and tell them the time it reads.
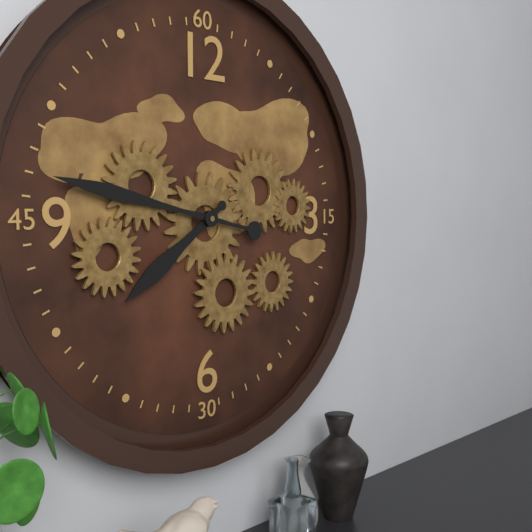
7:47
